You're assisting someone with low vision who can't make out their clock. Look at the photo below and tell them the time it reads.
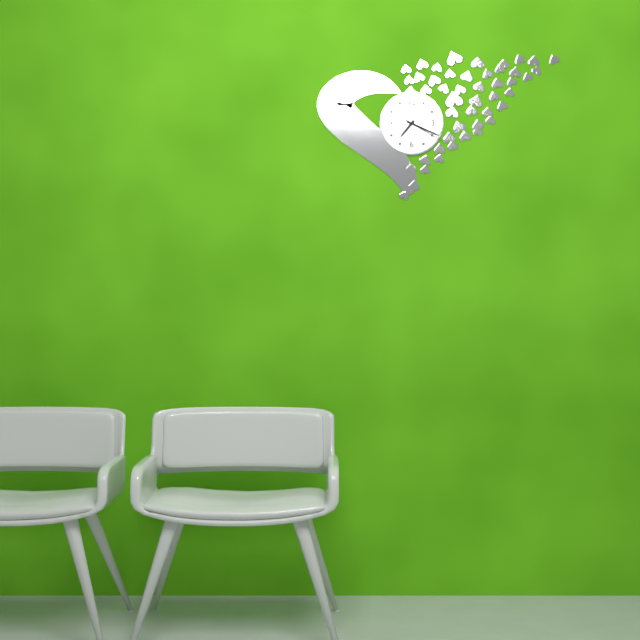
7:19
